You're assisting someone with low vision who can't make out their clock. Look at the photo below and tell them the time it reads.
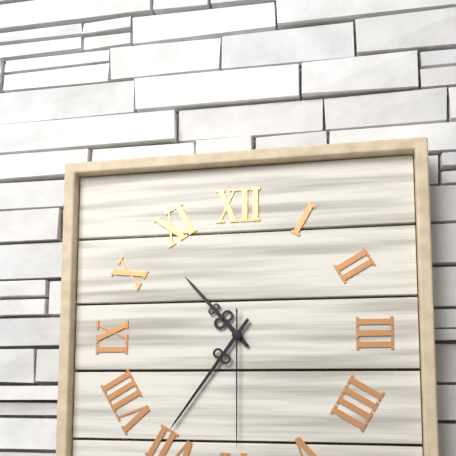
10:36:30
